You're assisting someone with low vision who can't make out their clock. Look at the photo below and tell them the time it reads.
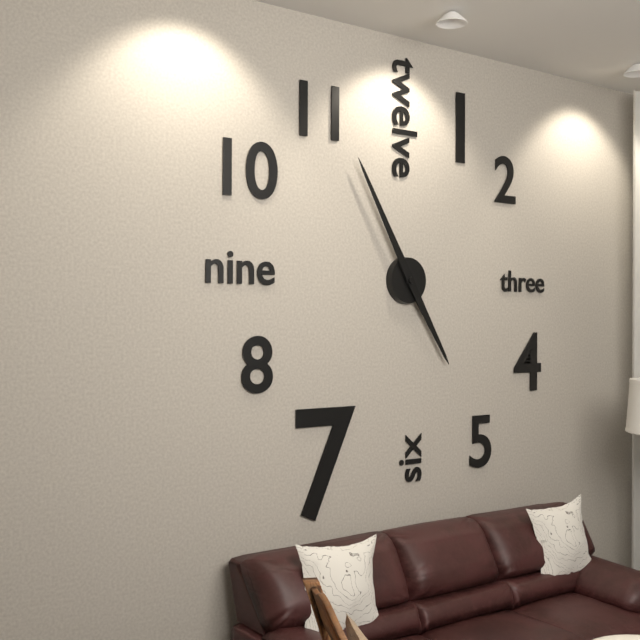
4:55
